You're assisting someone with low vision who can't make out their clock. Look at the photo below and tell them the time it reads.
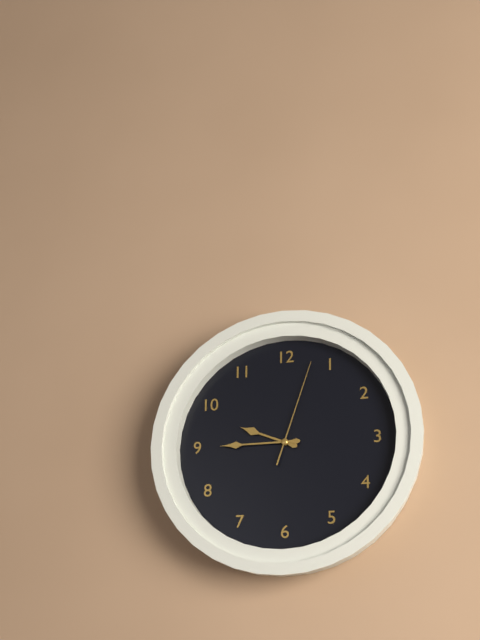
9:45:03
